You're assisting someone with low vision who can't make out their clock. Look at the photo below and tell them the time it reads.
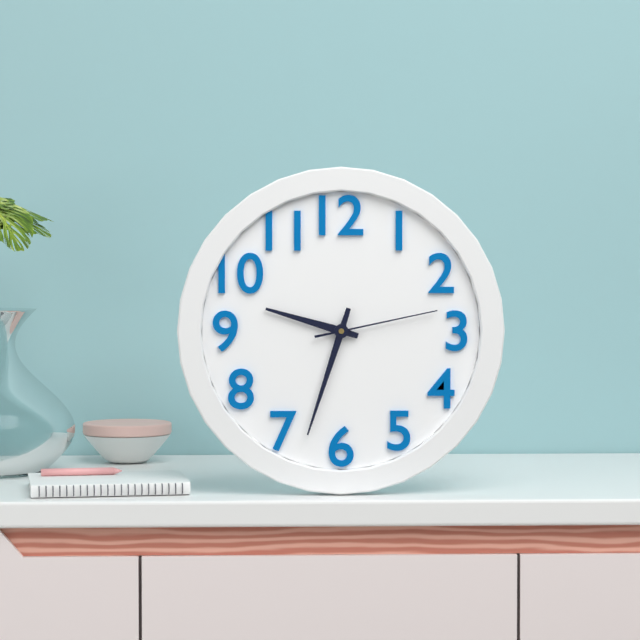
9:33:13
